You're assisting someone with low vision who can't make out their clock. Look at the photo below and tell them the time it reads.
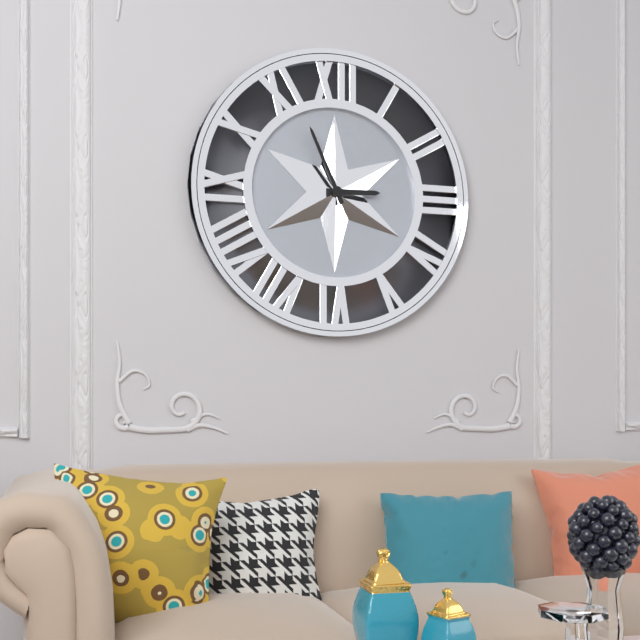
2:56
